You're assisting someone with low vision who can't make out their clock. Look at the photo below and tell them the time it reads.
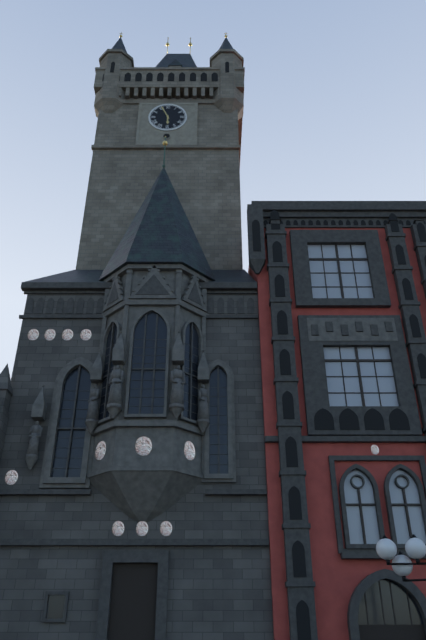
5:56
